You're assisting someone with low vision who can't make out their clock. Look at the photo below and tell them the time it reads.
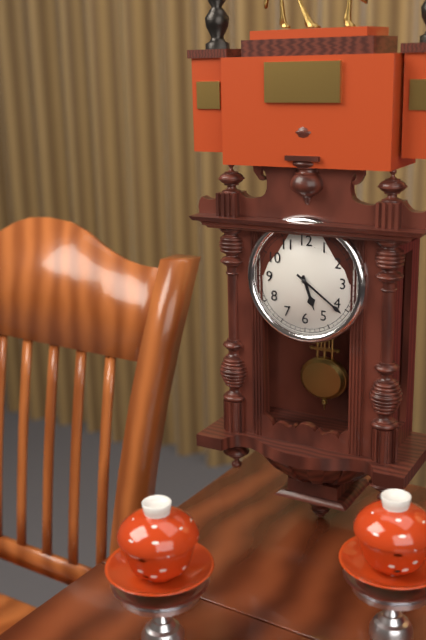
5:21
